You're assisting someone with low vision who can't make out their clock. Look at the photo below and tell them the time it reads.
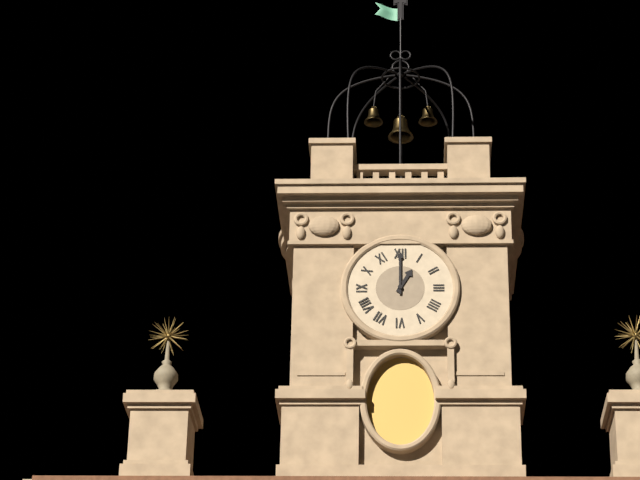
1:00
